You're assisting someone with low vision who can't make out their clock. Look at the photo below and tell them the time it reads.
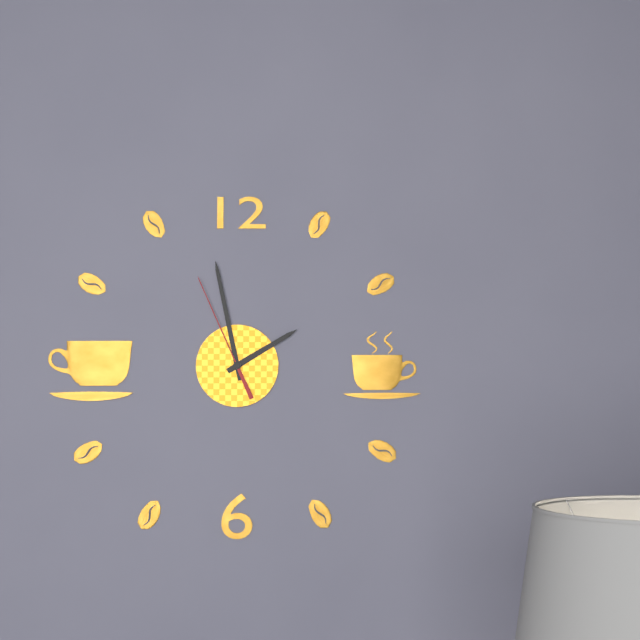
1:58:56
